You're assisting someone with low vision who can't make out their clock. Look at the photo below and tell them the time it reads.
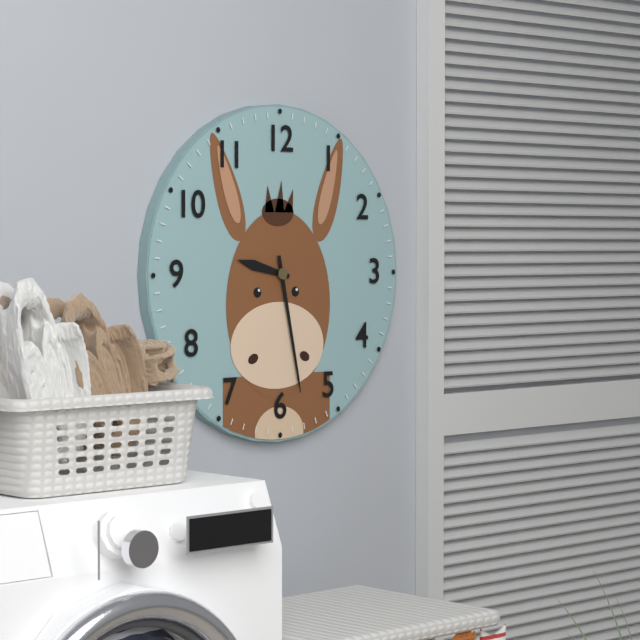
9:28
